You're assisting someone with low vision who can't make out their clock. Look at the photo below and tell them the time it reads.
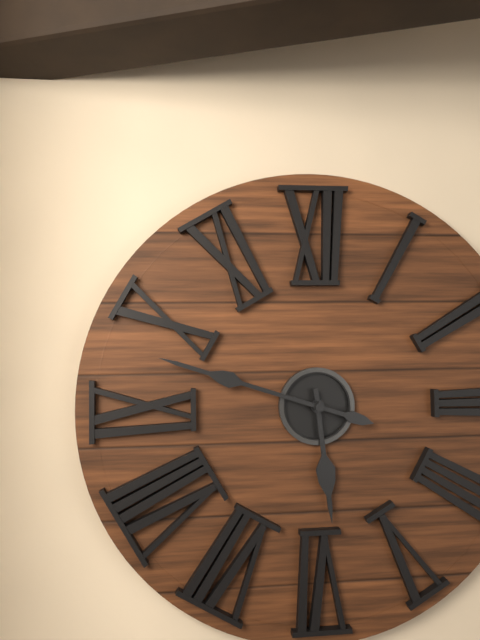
5:48
